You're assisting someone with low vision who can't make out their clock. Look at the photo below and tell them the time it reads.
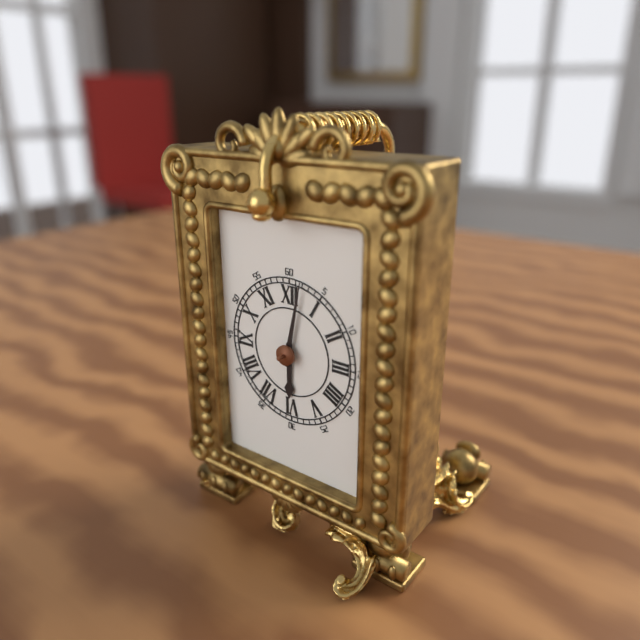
6:02
